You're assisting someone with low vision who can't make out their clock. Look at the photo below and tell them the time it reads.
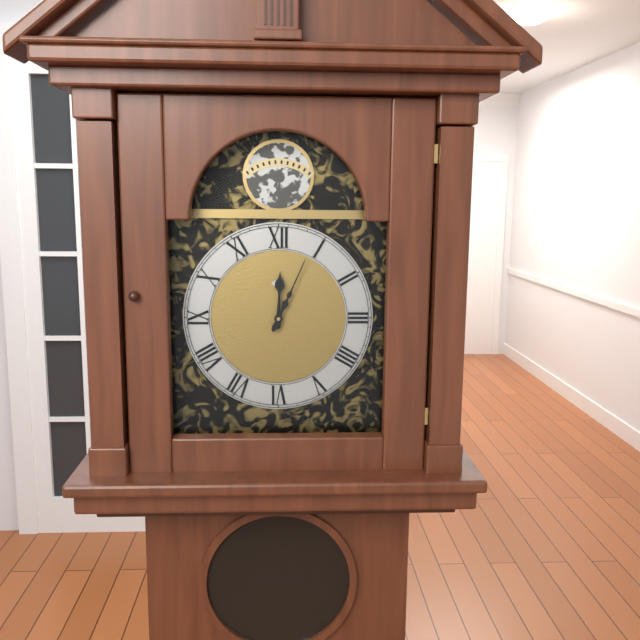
12:04
